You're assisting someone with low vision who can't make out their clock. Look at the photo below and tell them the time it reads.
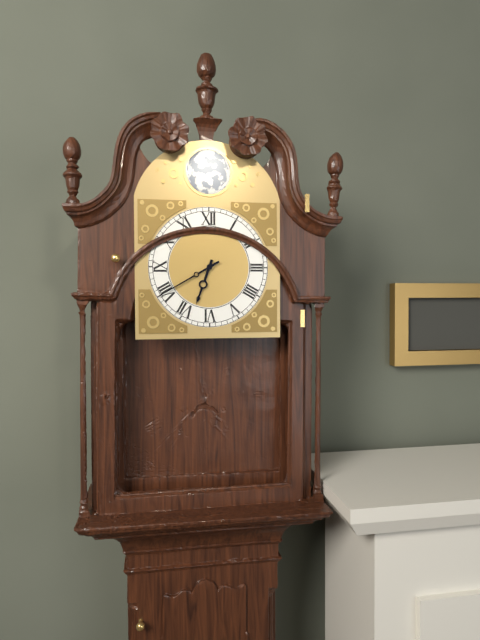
6:40
